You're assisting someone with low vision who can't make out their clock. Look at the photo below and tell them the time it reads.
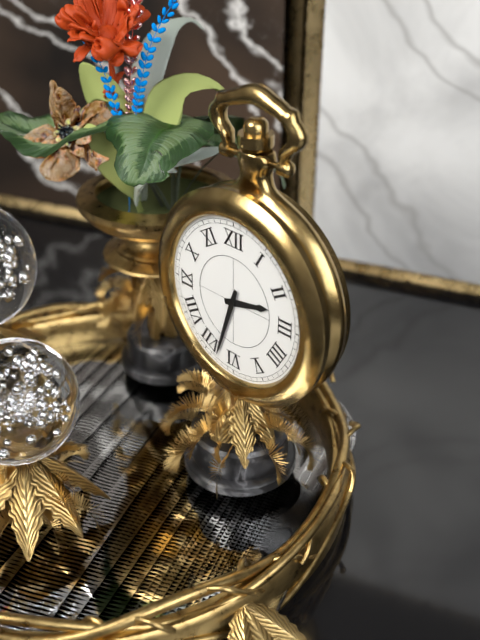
2:33
